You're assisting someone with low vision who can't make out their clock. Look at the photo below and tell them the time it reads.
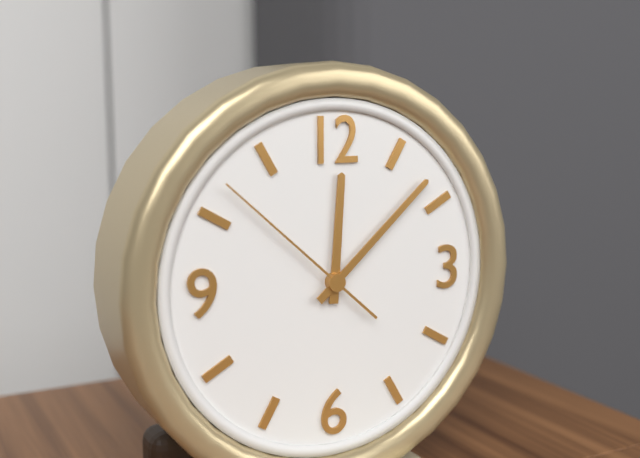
12:08:52
